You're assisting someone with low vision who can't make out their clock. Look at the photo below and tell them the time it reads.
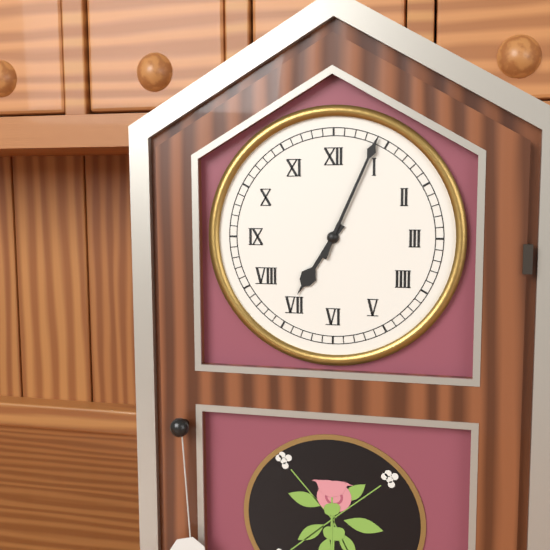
7:04
